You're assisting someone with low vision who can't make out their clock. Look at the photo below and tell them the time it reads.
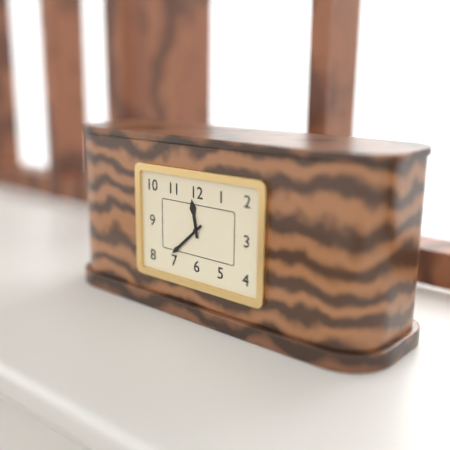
11:38
